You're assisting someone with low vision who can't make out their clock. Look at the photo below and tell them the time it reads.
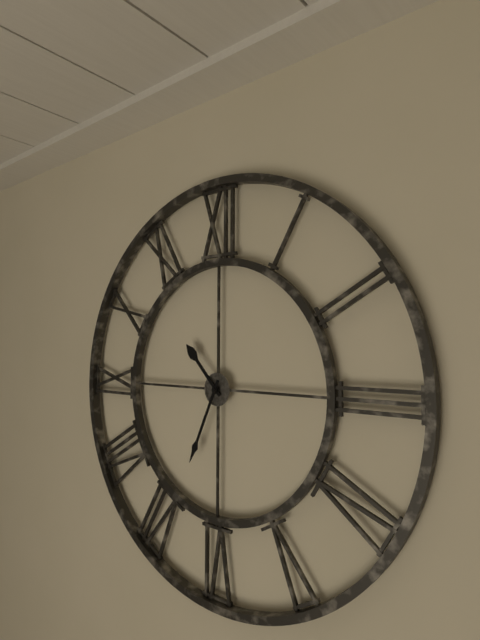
10:34
